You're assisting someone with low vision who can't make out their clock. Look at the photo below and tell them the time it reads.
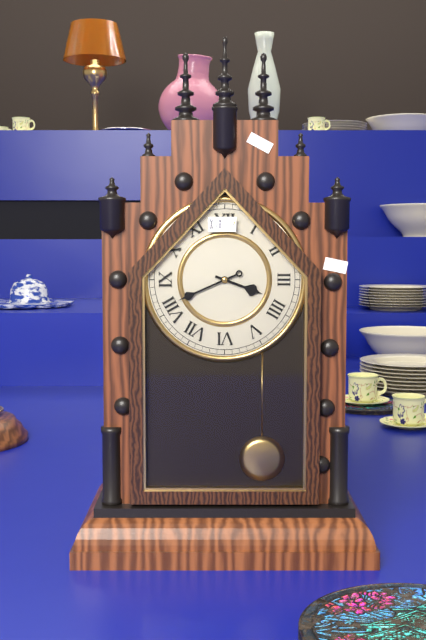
3:41
